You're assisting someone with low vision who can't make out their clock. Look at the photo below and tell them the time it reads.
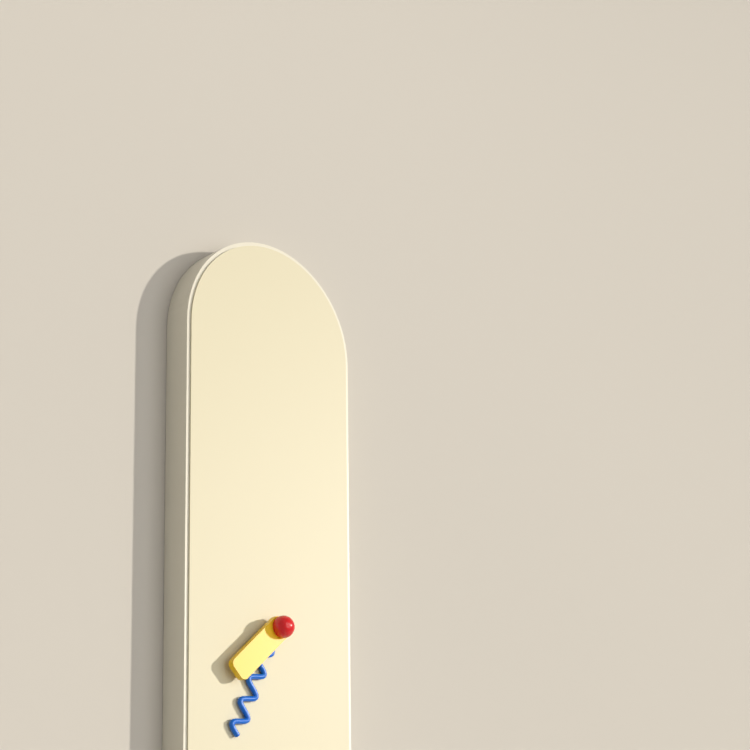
7:34
